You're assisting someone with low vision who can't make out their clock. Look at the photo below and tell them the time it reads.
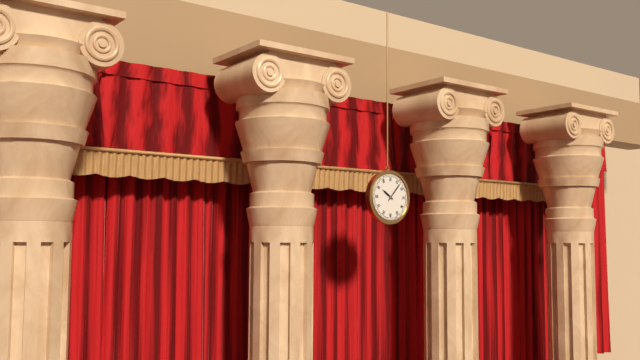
10:07
